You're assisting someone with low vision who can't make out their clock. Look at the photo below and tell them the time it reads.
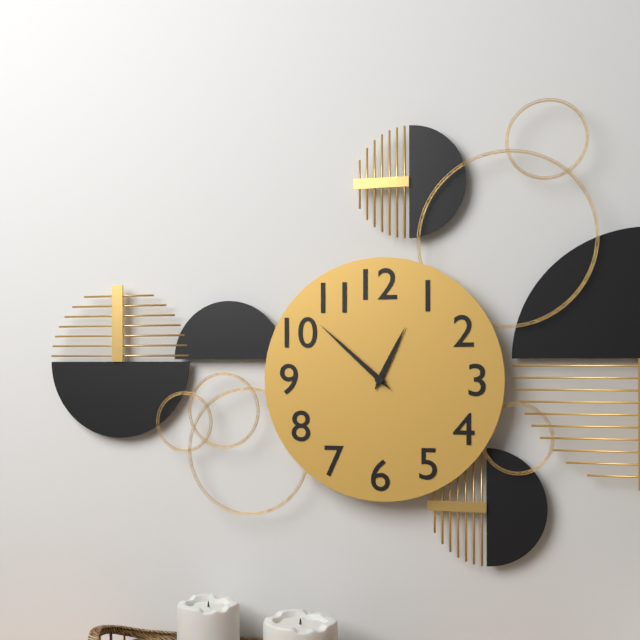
12:52
